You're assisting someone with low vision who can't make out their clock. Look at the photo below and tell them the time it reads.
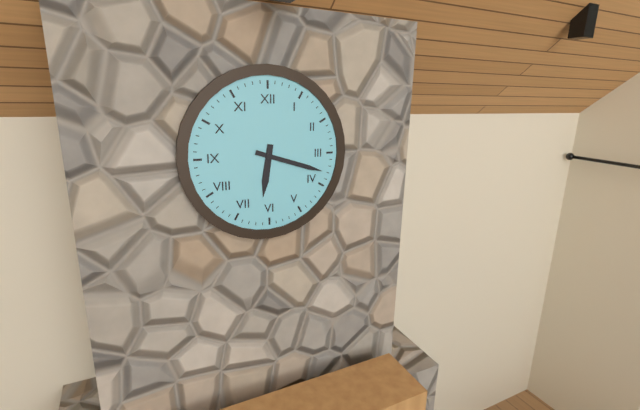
6:18
